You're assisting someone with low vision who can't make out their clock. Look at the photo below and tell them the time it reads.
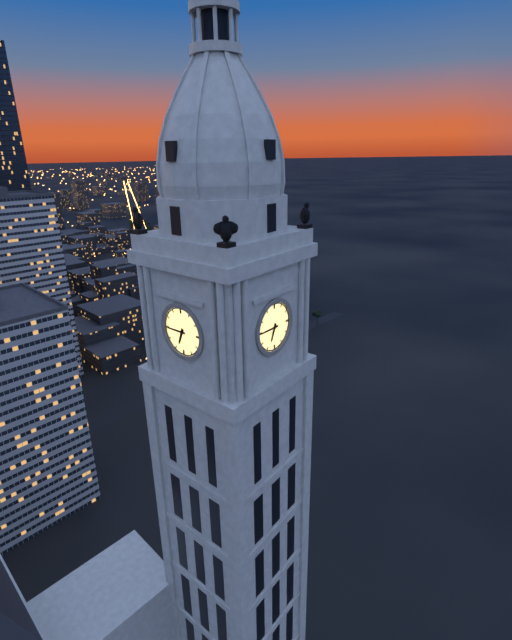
6:45
